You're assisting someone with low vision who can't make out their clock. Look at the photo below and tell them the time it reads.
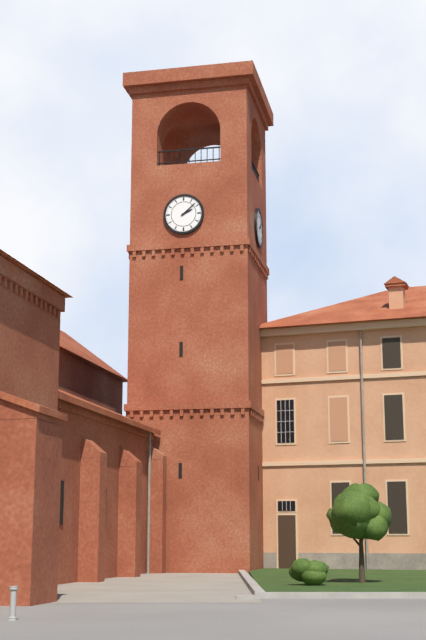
2:08
